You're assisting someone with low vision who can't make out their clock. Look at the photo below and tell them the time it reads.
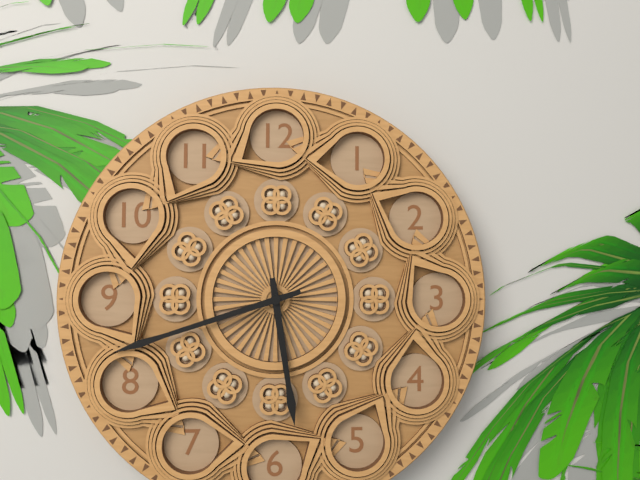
5:42
